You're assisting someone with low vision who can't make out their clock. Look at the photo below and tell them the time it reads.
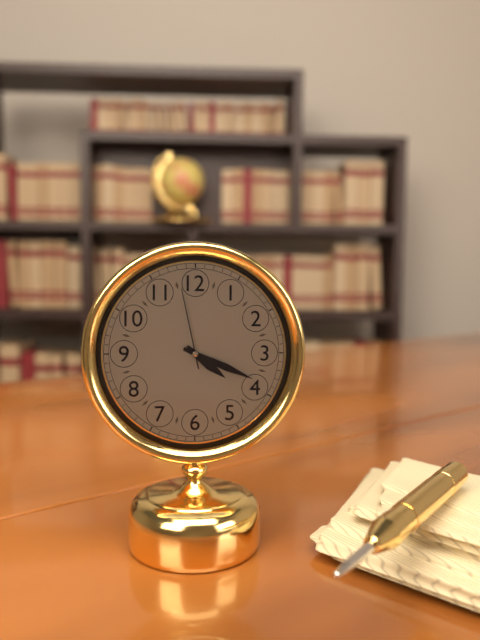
4:19:58
